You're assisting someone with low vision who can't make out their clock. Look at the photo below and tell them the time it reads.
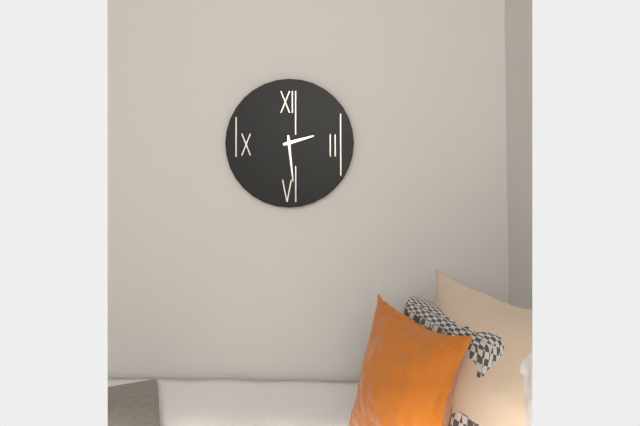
2:29
